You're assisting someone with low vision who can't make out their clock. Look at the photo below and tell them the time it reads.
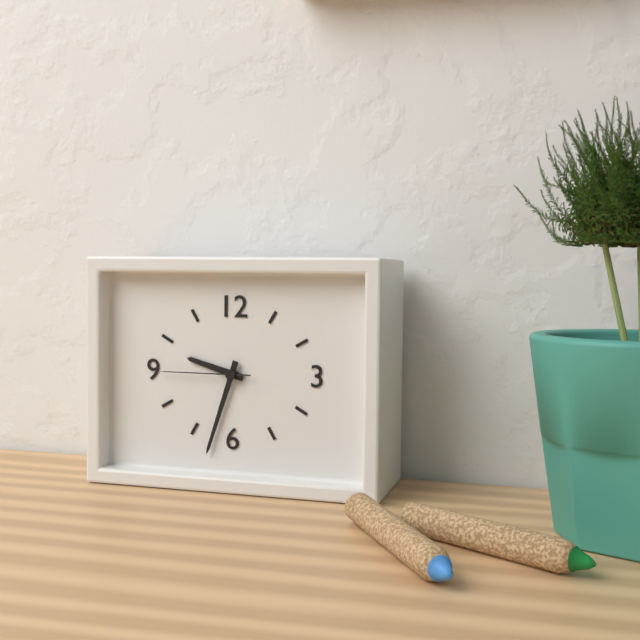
9:33:45
